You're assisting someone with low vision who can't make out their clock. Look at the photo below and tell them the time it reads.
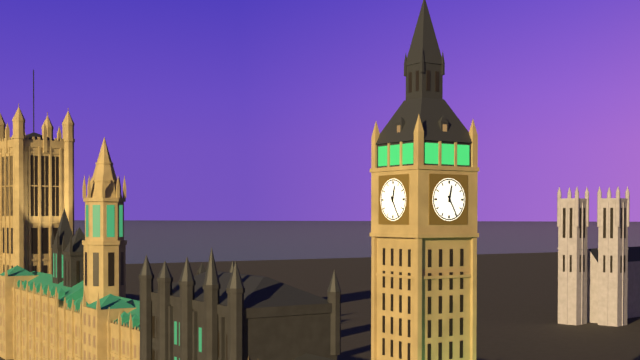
12:25
